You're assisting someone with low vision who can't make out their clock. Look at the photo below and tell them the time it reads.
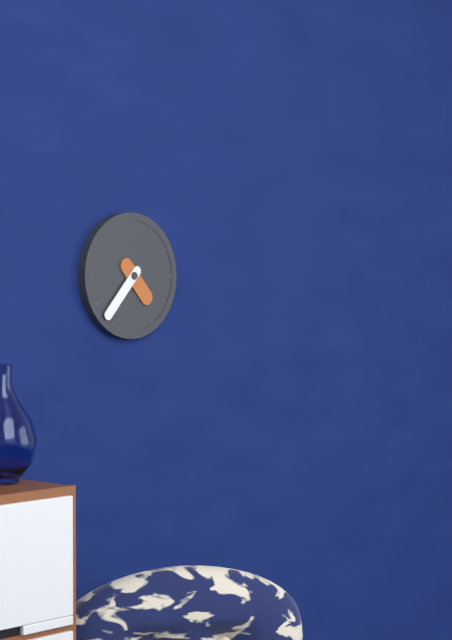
4:37
